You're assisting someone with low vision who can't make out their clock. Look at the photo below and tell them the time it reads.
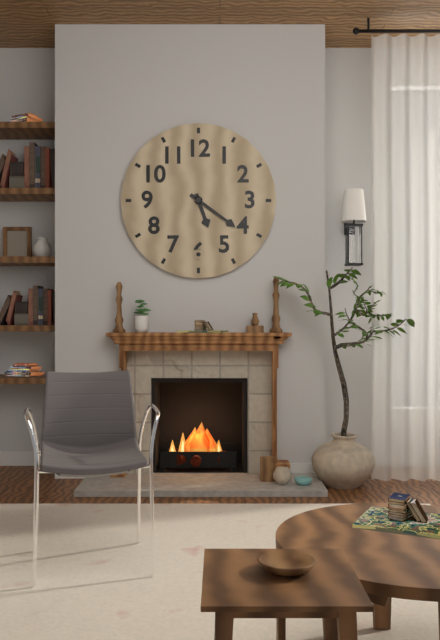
5:21
